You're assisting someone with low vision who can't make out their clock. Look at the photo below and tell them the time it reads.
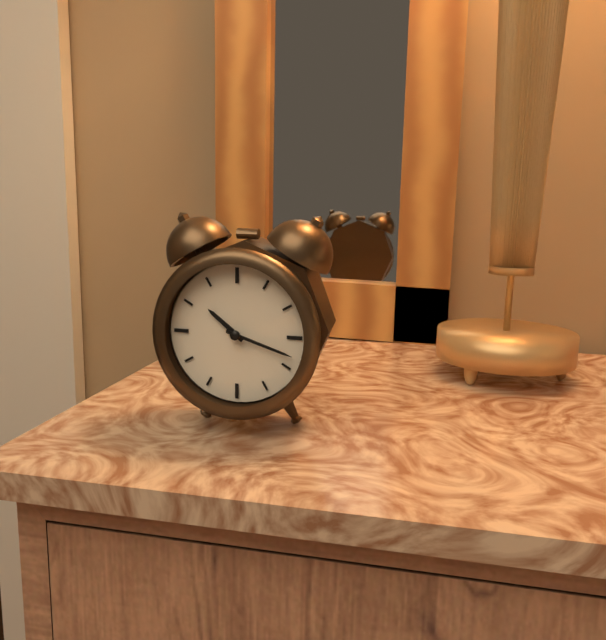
10:18
